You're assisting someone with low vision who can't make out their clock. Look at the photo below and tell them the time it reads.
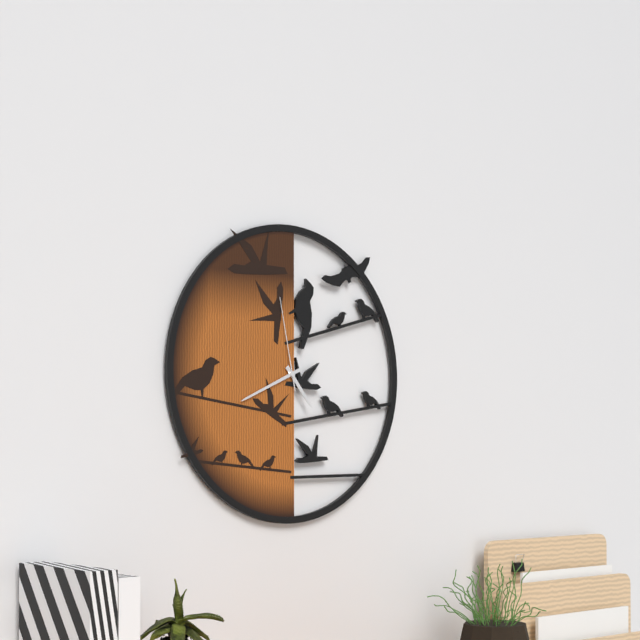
4:41:58
